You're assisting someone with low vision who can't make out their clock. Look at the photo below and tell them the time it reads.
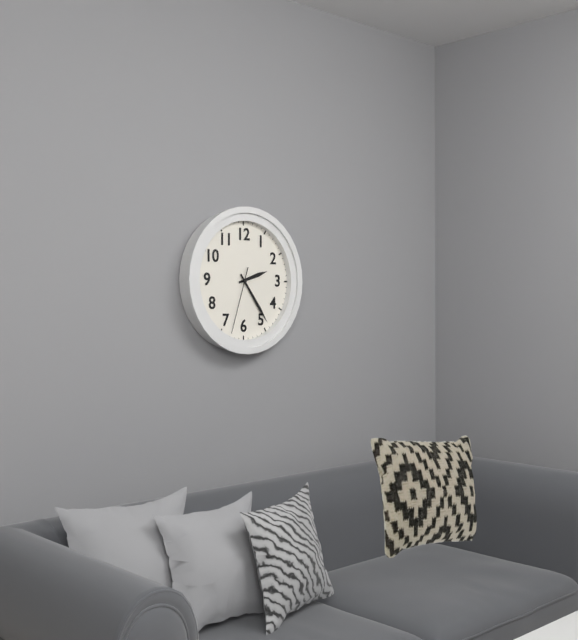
2:24:33
